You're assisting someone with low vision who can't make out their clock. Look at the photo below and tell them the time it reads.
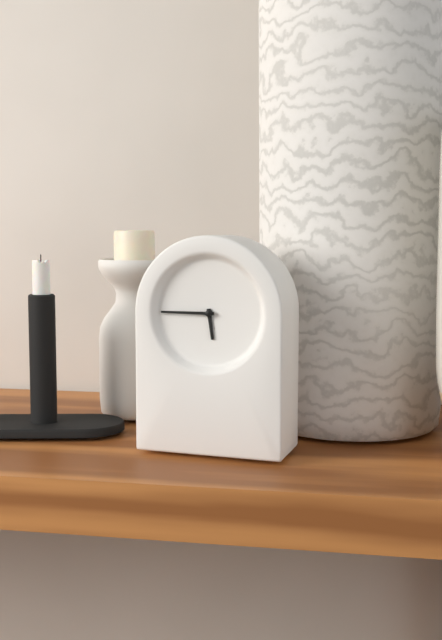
5:45
